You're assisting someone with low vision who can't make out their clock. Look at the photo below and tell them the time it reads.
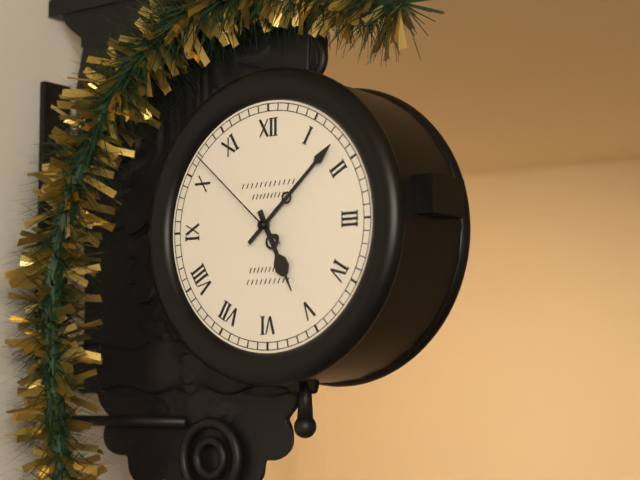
5:08:52
